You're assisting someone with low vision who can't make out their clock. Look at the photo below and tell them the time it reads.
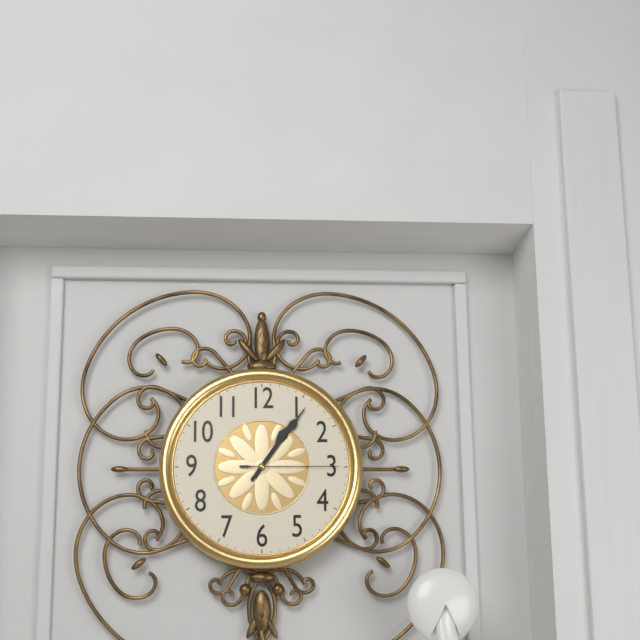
1:06:15
